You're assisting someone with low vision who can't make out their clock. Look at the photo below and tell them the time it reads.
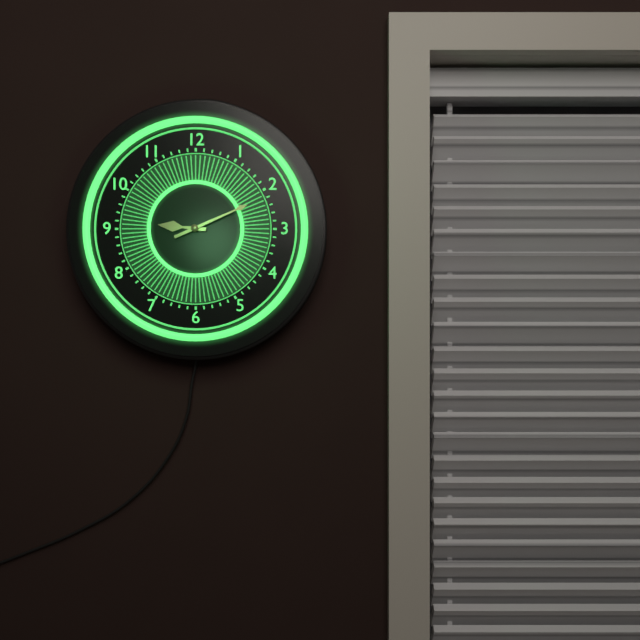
9:11
